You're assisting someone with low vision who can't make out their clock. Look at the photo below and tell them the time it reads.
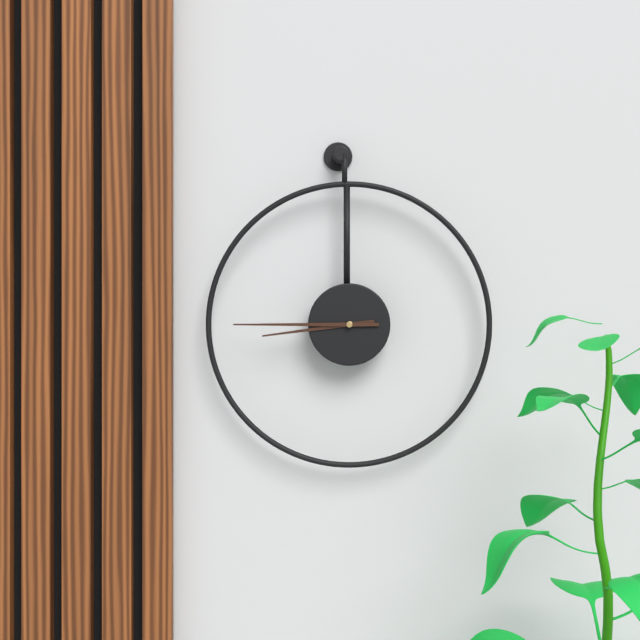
8:45
